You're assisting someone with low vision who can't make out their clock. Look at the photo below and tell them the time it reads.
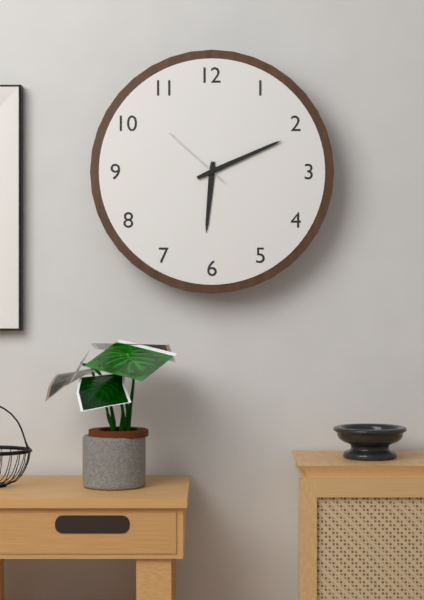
6:11:52
